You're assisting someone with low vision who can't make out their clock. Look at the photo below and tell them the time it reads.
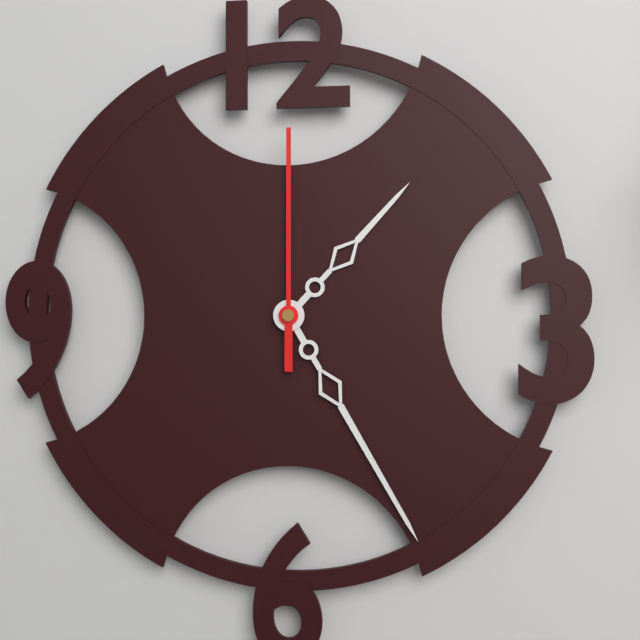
1:25:00
